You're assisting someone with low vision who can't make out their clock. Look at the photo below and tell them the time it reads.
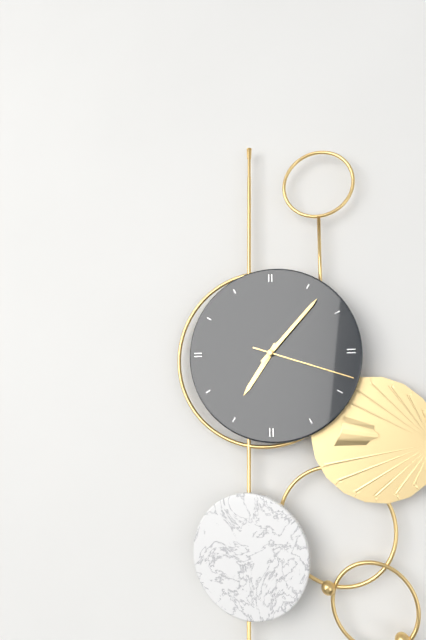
7:07:18
